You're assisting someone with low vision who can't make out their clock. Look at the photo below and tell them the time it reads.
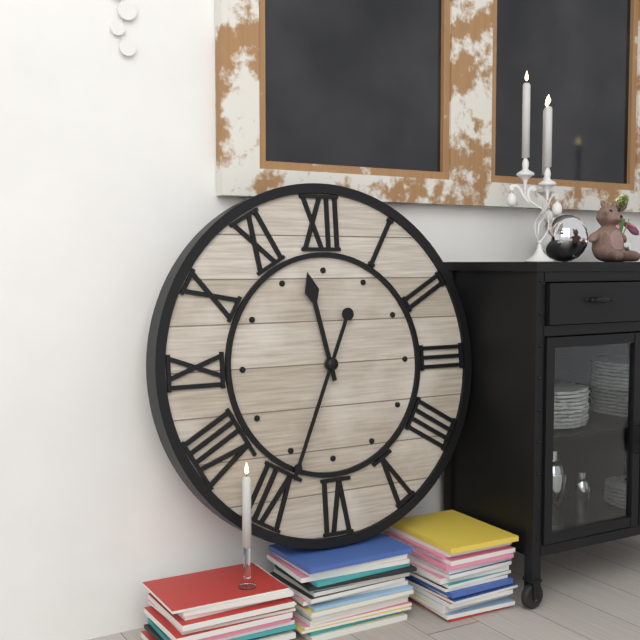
11:34
